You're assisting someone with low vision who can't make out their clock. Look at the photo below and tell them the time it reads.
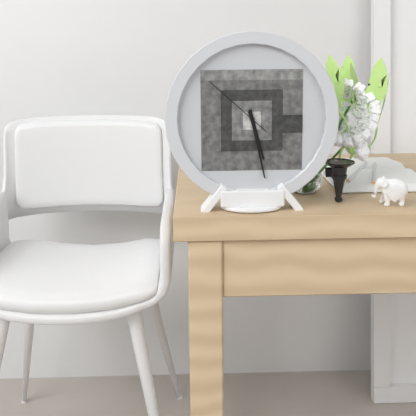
5:28:52
